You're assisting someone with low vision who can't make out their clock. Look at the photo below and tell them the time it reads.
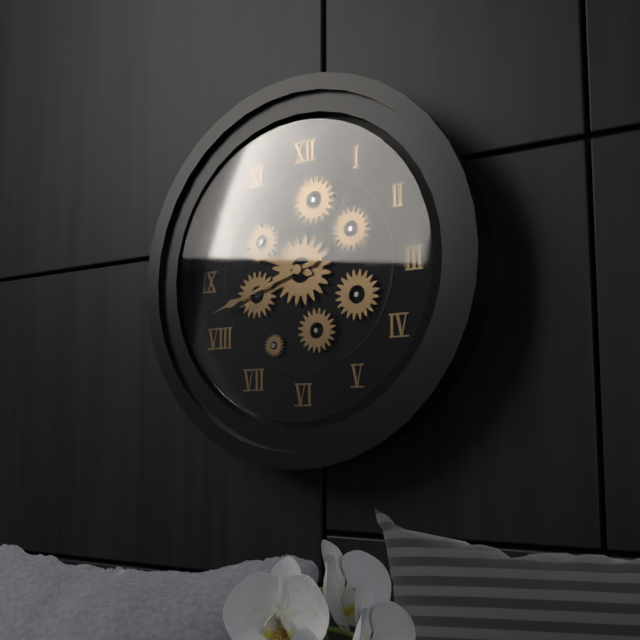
9:42
